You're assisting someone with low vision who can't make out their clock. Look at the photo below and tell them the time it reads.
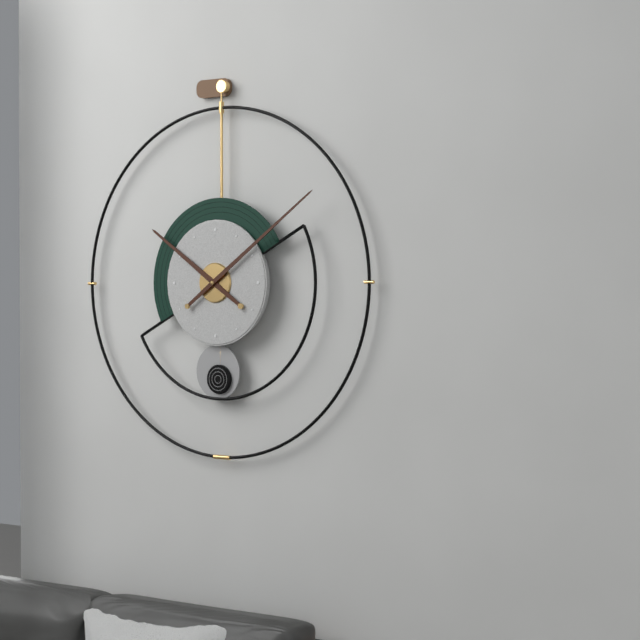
10:09
